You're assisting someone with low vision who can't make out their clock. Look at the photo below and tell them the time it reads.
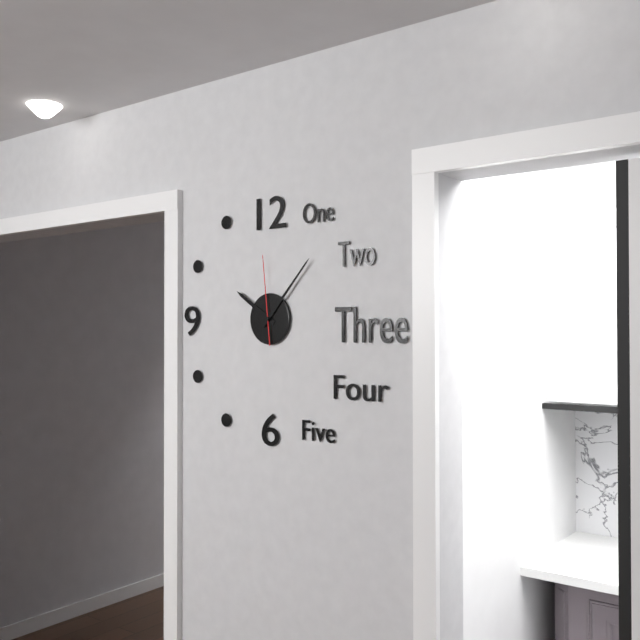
10:07:59
